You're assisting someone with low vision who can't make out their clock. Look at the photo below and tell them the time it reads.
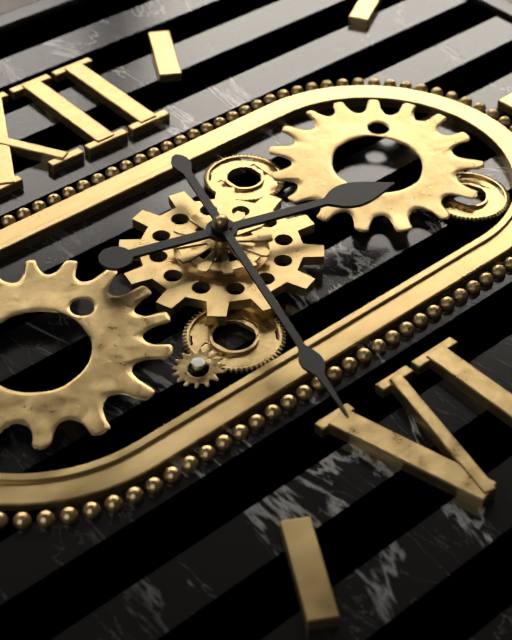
3:33
